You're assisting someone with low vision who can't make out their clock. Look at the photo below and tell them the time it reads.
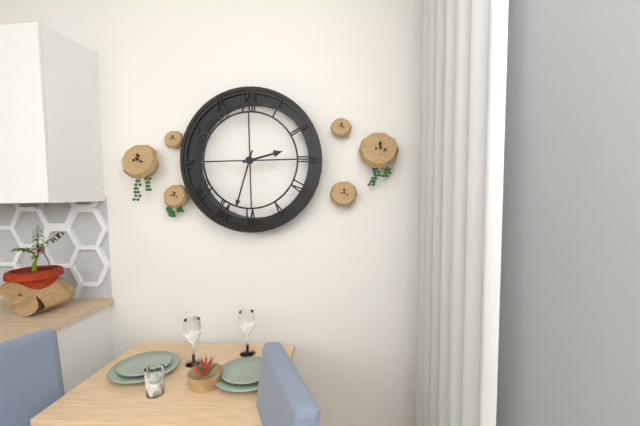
2:33
